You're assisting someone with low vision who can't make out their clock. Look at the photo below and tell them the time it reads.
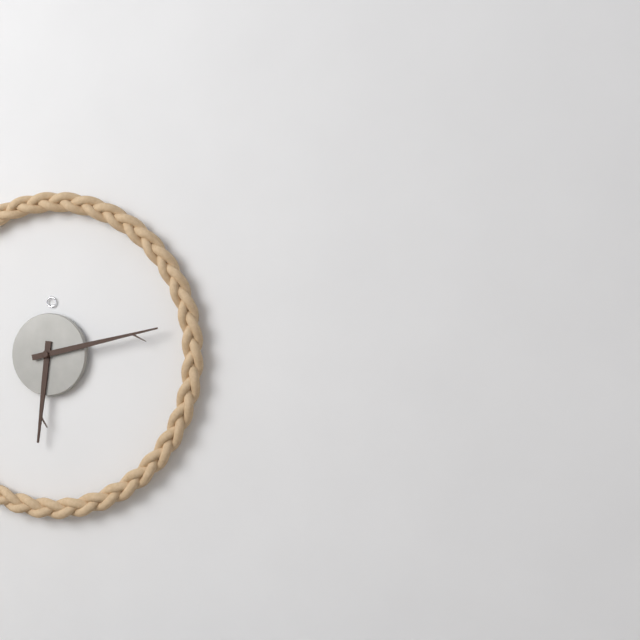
6:13
